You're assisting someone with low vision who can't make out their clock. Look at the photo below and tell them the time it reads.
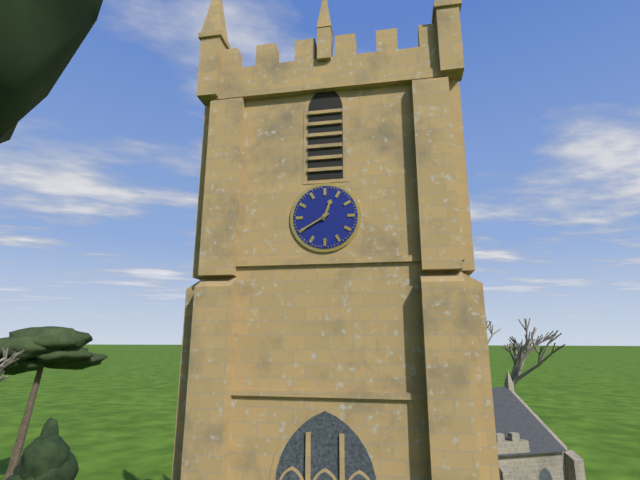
12:40
